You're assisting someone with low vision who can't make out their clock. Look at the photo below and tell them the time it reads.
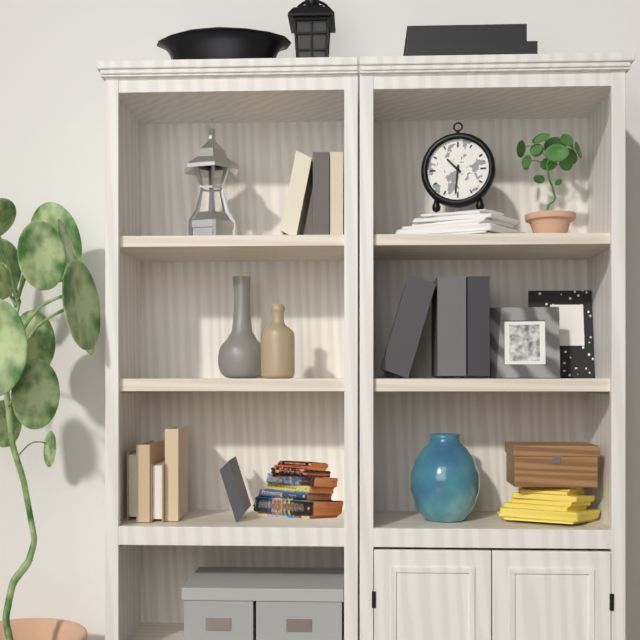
10:31
